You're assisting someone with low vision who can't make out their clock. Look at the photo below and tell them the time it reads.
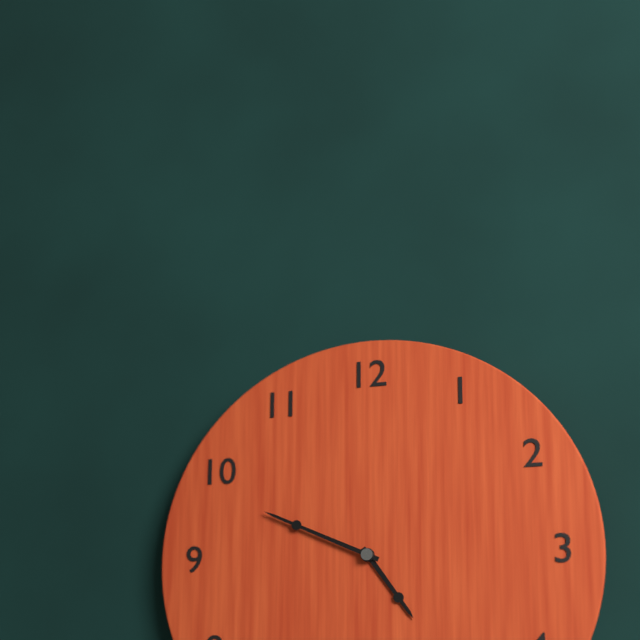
4:49
